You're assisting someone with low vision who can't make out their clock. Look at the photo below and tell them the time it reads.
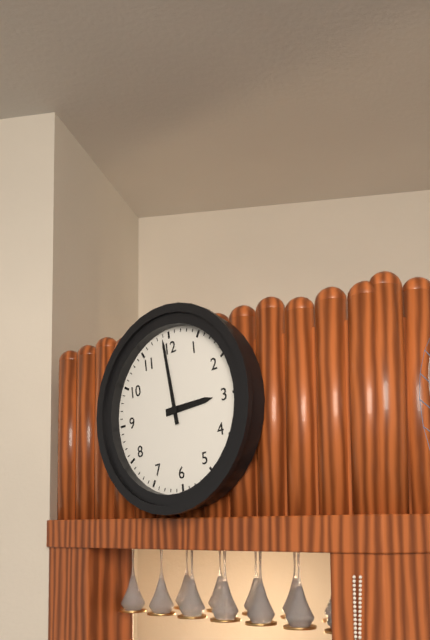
2:59
